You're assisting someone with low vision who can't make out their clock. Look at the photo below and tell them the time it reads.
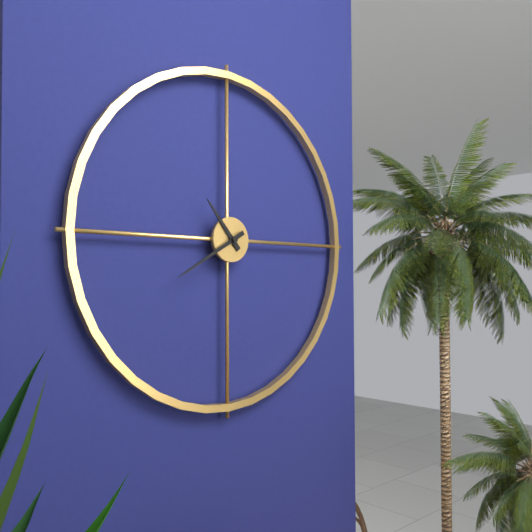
10:40
